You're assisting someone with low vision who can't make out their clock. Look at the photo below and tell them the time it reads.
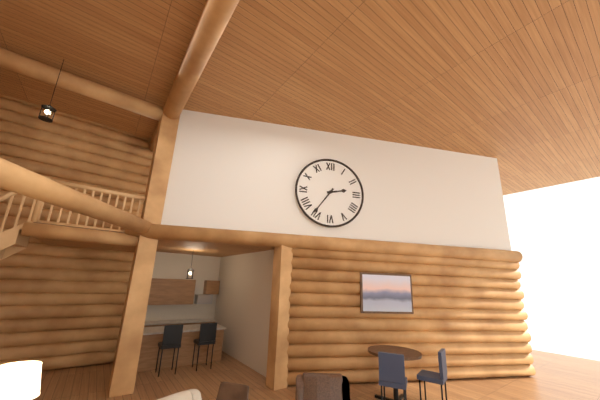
2:36
